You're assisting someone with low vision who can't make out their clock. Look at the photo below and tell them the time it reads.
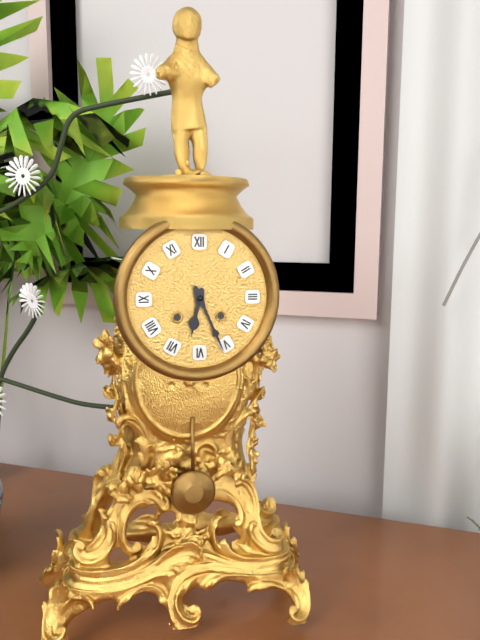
6:26
